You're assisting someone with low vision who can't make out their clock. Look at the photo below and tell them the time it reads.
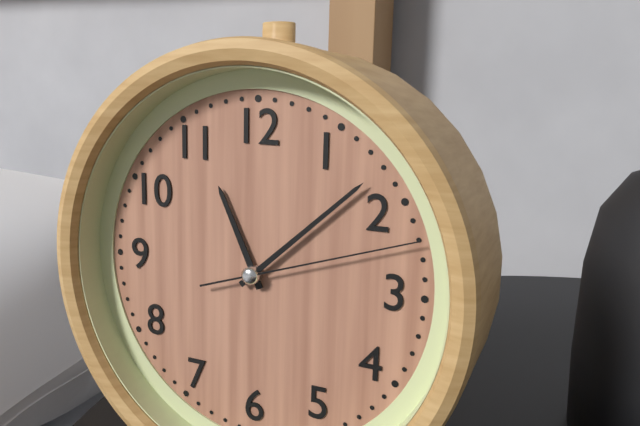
11:08:12
